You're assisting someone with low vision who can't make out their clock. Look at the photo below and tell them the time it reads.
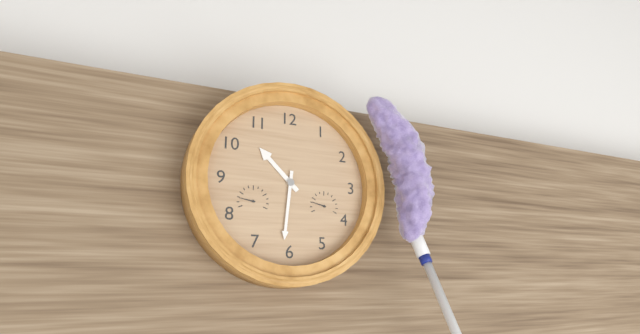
10:31
